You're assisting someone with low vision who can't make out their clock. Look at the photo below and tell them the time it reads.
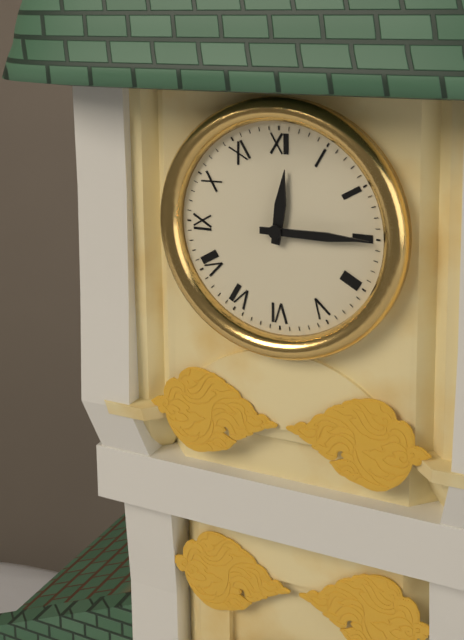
12:15
